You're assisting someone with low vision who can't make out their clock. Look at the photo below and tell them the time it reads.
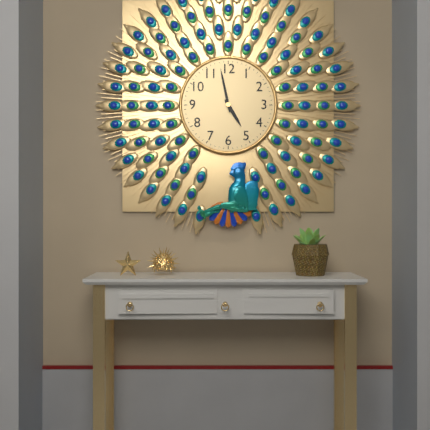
4:58
